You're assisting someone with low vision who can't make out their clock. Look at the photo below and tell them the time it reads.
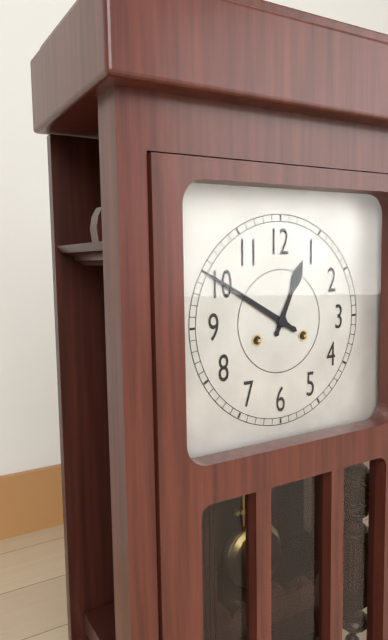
12:50
